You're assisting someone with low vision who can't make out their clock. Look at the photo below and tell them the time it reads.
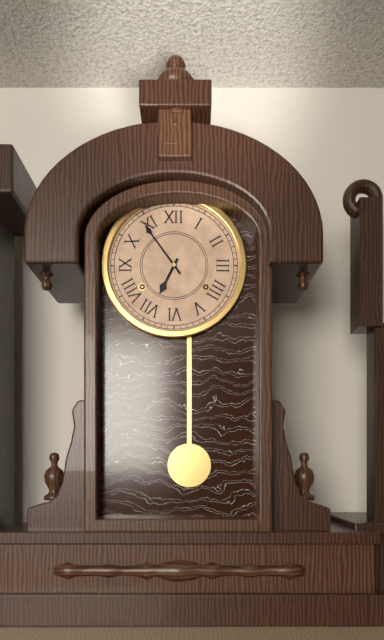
6:54
